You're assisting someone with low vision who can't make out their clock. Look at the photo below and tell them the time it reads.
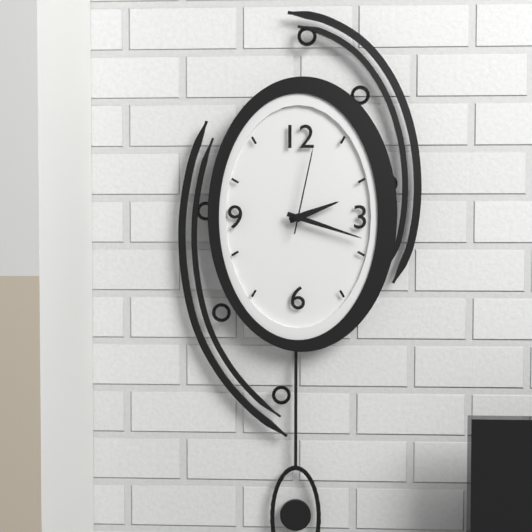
2:18:02
